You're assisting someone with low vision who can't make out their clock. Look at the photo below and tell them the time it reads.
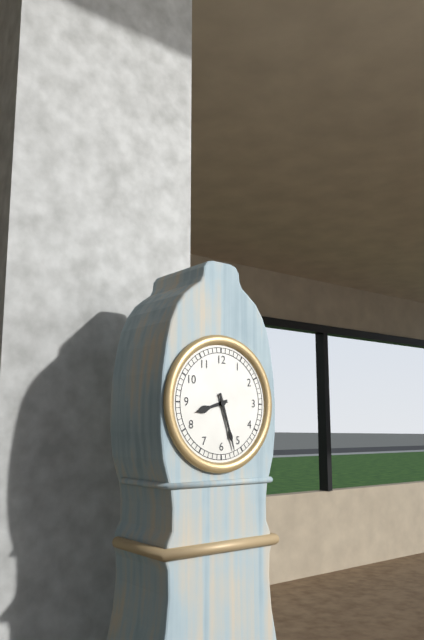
8:27
